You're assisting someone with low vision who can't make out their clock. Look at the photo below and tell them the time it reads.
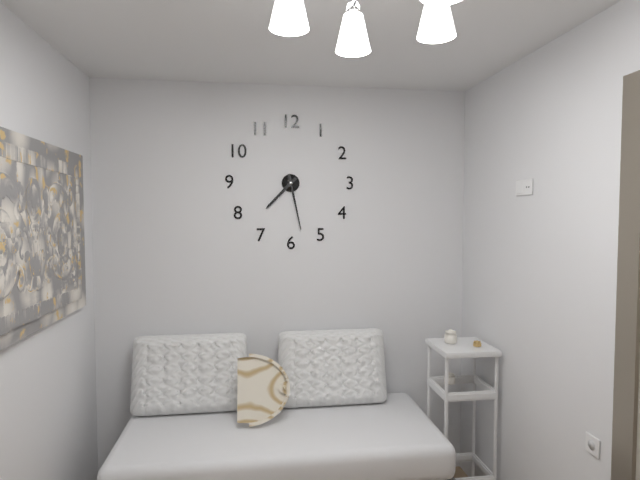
7:28
